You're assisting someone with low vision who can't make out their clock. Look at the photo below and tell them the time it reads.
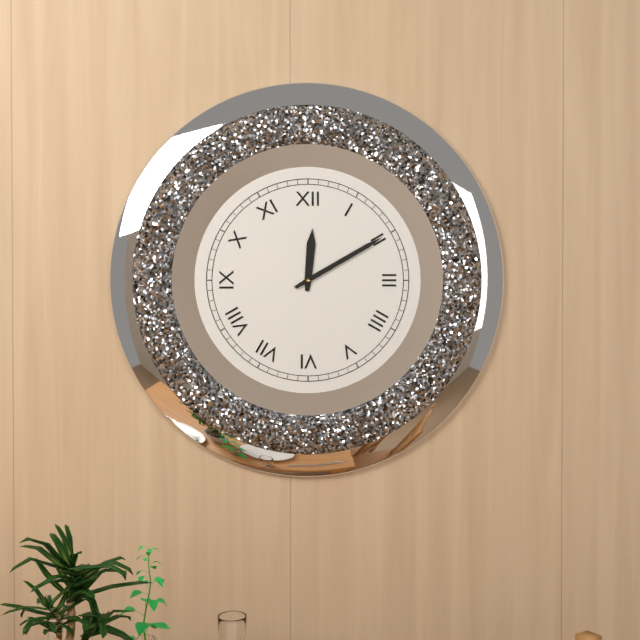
12:10
